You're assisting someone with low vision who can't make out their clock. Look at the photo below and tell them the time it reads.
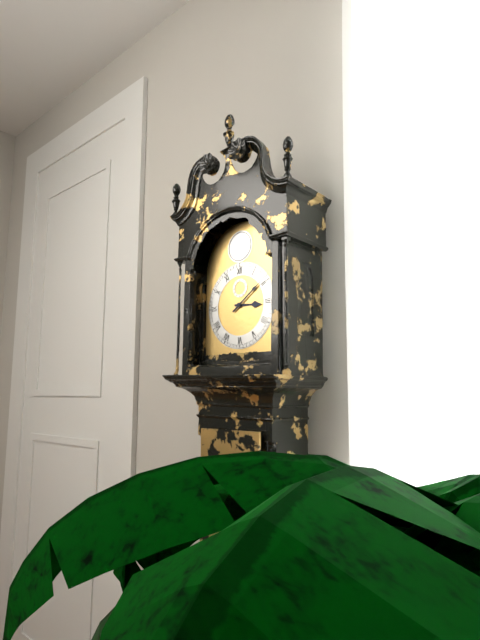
3:09
